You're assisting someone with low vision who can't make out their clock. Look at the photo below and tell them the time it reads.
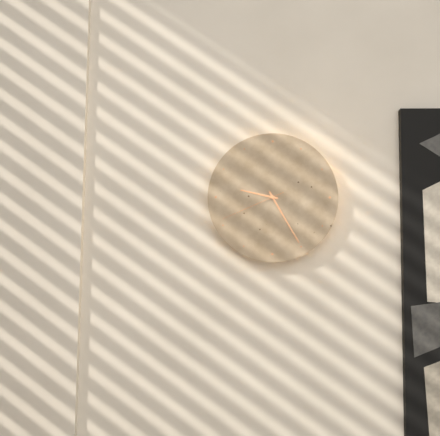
9:25:41
